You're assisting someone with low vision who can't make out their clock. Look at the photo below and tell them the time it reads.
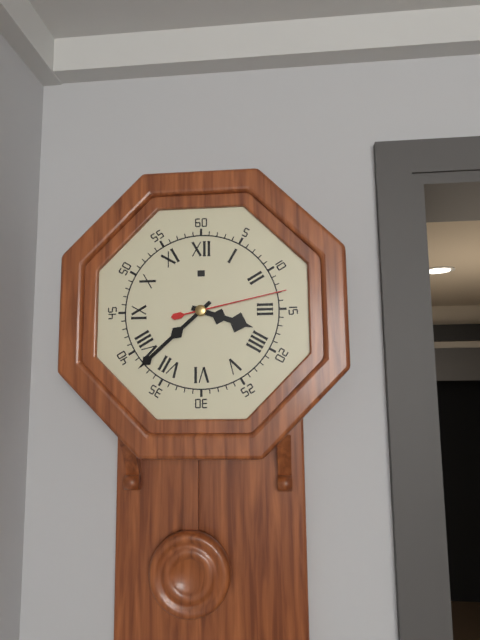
3:38:13
